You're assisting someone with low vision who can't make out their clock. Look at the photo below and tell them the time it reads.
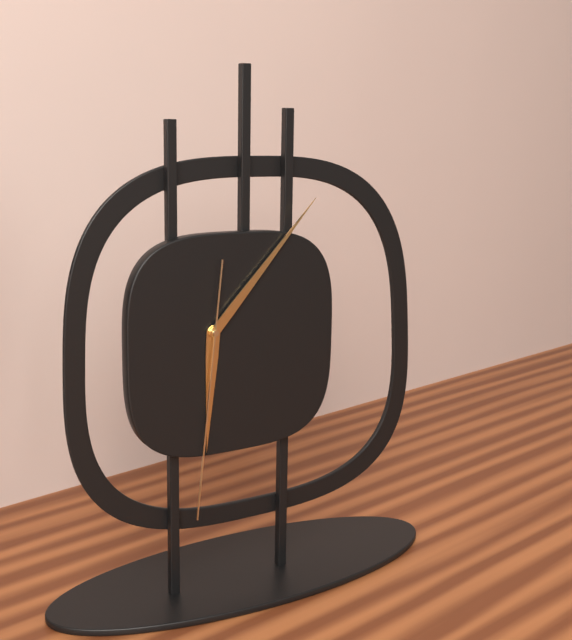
6:07:31
